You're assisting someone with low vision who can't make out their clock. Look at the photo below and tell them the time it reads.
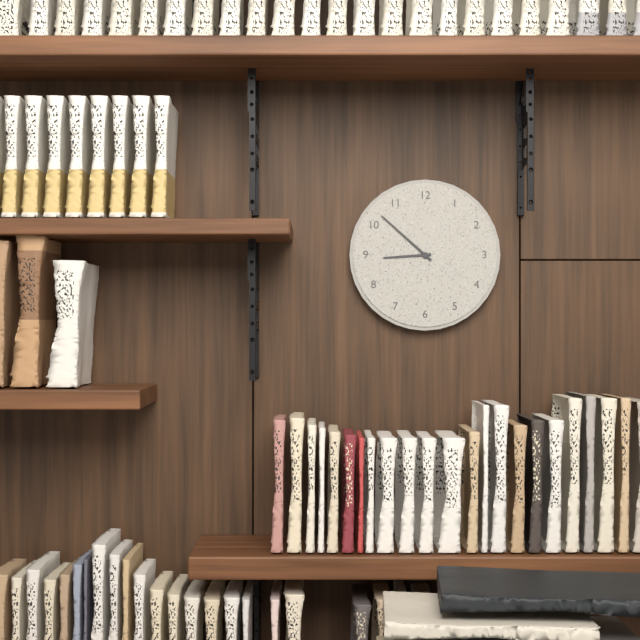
8:52
